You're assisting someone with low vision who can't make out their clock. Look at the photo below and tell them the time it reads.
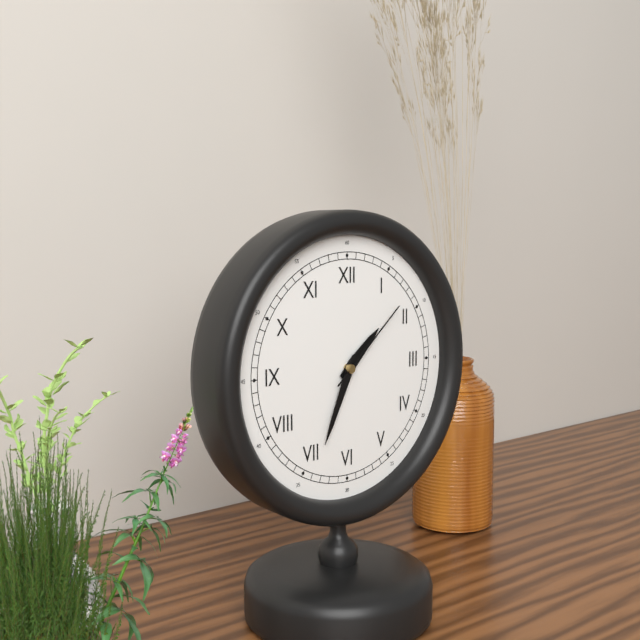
1:34:08
